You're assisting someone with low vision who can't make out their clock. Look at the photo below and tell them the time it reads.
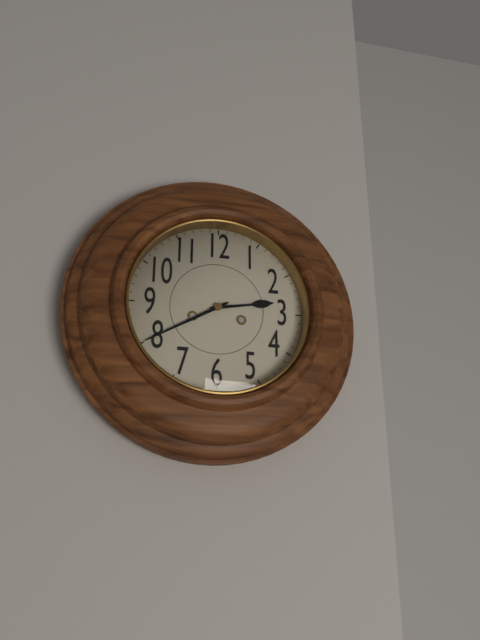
2:40
